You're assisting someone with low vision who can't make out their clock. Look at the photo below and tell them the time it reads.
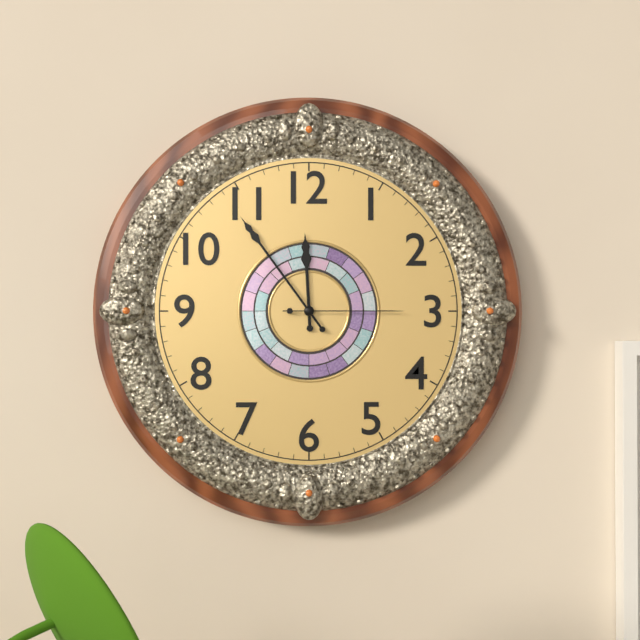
11:54:15
